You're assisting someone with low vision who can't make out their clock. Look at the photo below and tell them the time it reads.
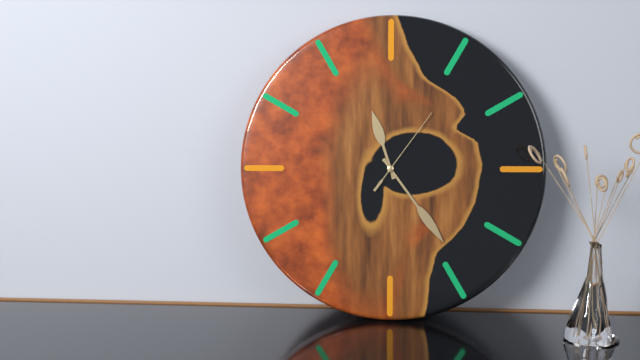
11:24:06
